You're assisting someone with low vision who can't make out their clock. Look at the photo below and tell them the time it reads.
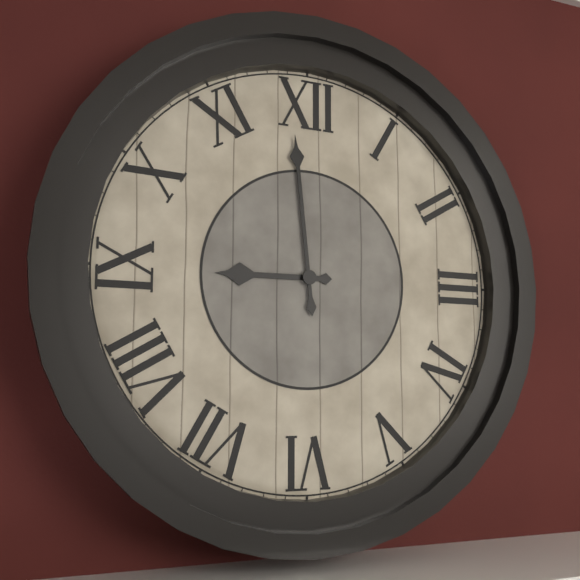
8:59
